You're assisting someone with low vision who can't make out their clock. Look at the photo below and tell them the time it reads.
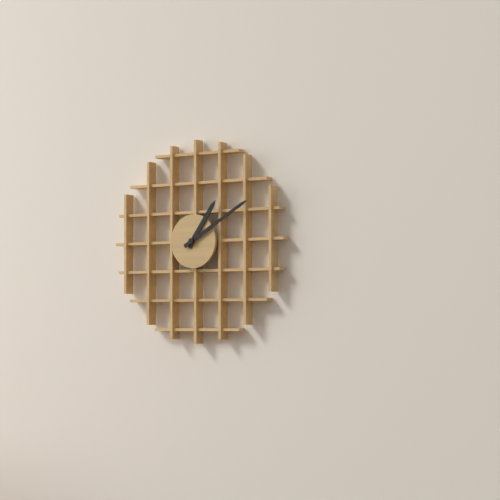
1:10
